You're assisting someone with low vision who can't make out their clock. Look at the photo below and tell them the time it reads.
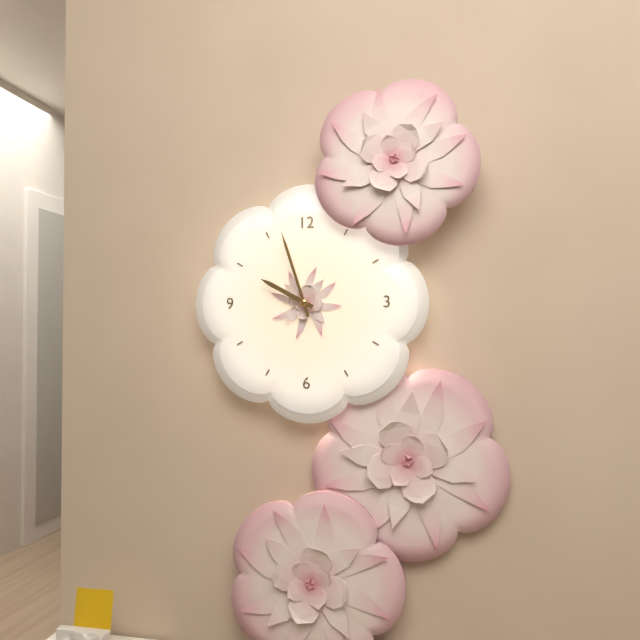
9:57
